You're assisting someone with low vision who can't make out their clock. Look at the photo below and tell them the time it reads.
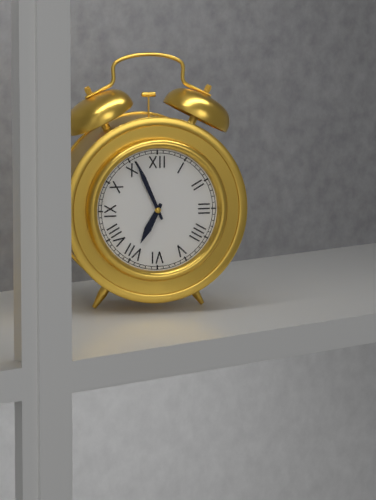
6:56
